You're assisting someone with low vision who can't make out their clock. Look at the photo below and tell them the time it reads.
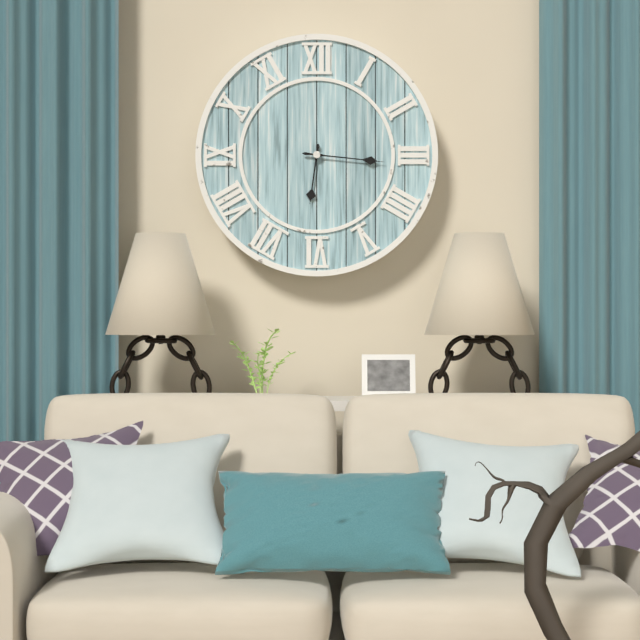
6:16
